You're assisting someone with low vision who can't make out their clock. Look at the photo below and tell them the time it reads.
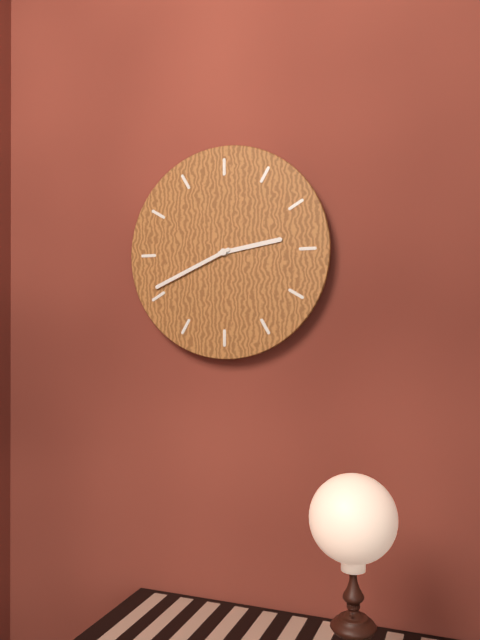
2:41
